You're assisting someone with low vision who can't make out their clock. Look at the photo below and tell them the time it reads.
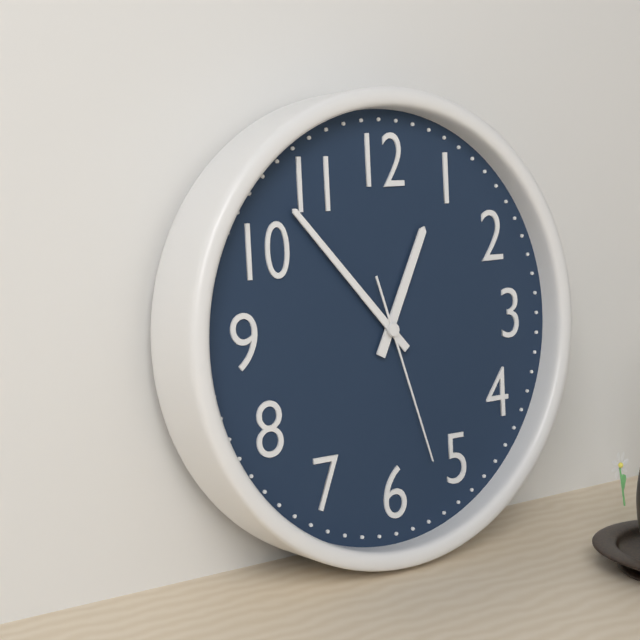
12:53:27
